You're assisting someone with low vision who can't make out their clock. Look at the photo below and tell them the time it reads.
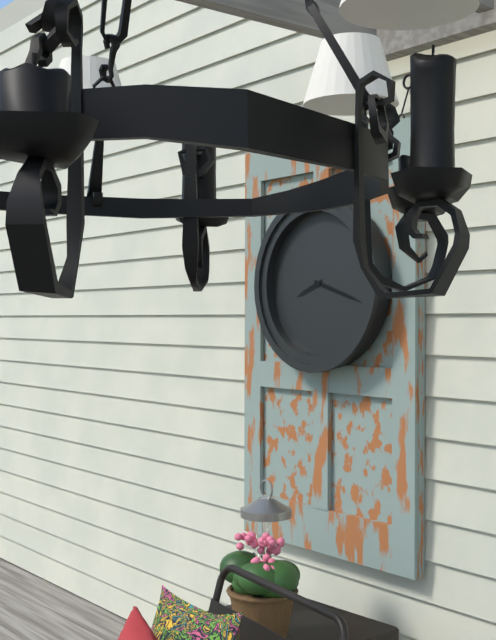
8:18
